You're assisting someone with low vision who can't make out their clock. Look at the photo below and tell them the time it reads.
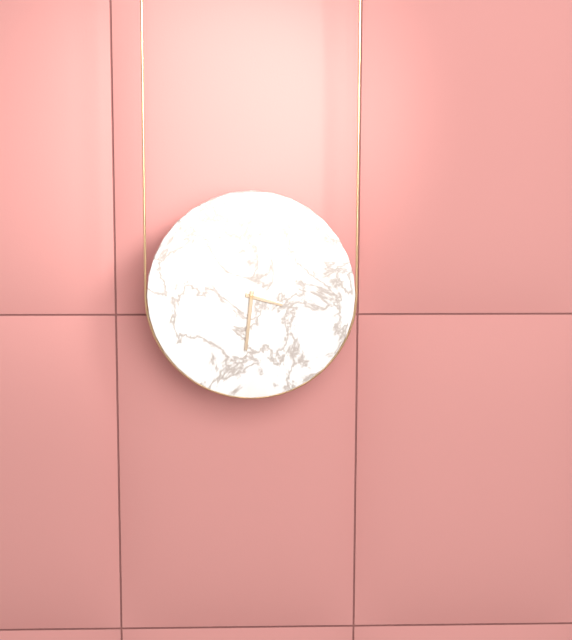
3:31
